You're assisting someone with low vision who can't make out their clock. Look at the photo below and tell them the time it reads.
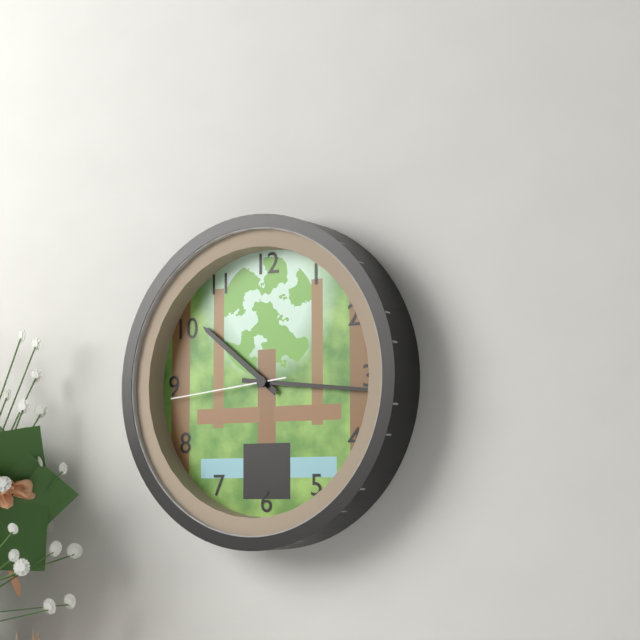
10:16:44
